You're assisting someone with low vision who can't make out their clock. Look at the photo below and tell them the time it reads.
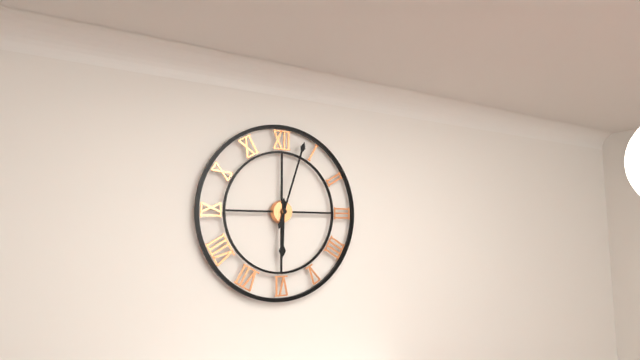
6:03
